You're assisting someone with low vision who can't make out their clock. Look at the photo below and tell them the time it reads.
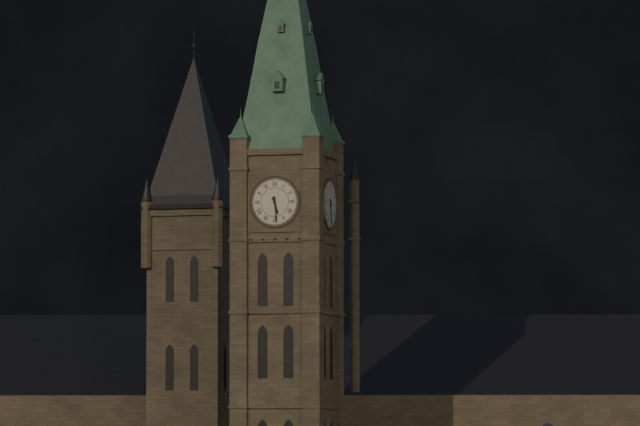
5:29
